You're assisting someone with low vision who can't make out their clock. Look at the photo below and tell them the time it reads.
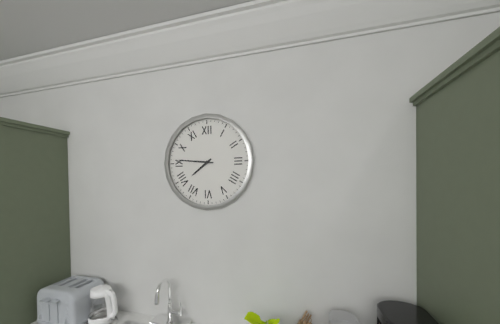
7:46
